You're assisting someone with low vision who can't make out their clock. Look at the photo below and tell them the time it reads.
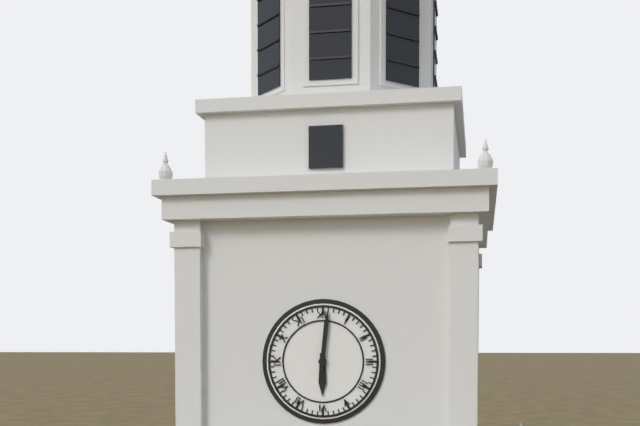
6:01
